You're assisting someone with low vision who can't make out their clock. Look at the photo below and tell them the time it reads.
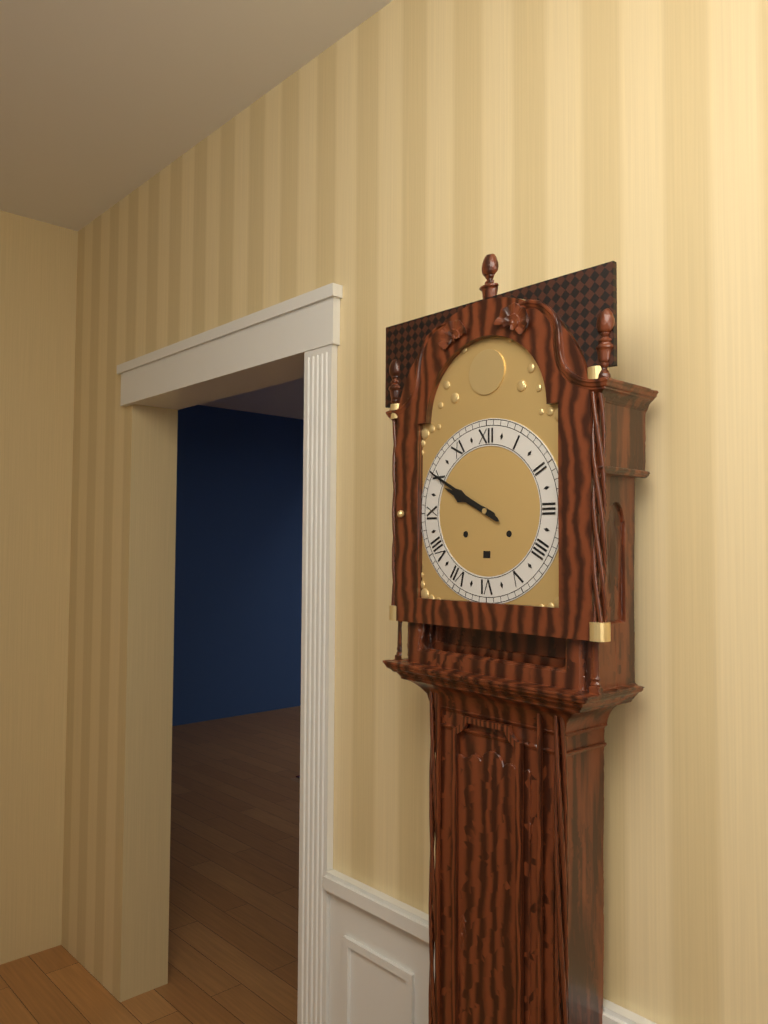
9:50
